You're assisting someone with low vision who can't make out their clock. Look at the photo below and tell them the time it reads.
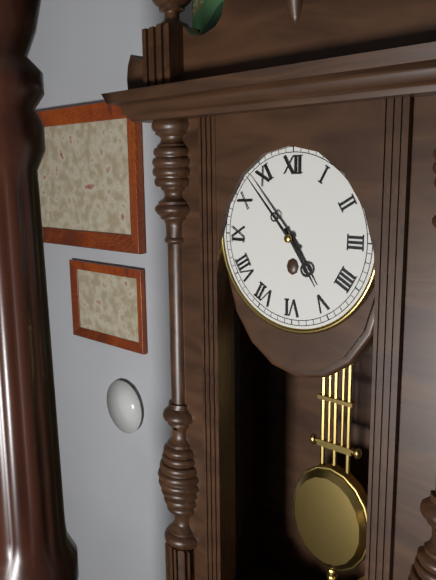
4:53
